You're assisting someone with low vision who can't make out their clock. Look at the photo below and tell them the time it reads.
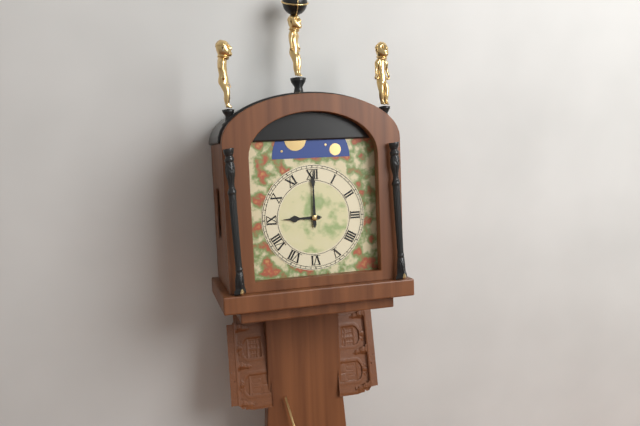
9:00
